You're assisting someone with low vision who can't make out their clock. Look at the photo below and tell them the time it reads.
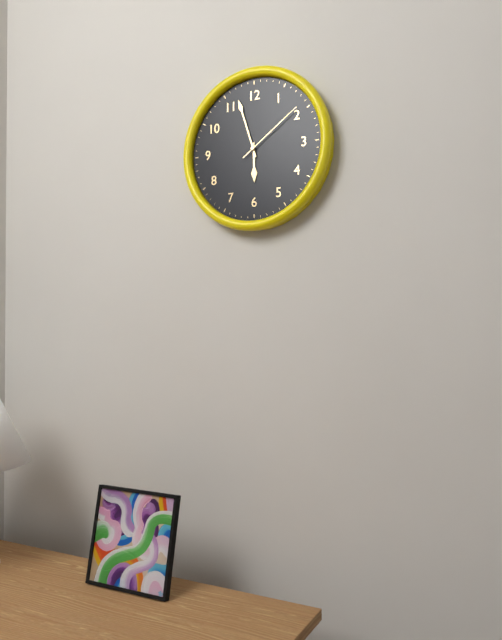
5:57:09
